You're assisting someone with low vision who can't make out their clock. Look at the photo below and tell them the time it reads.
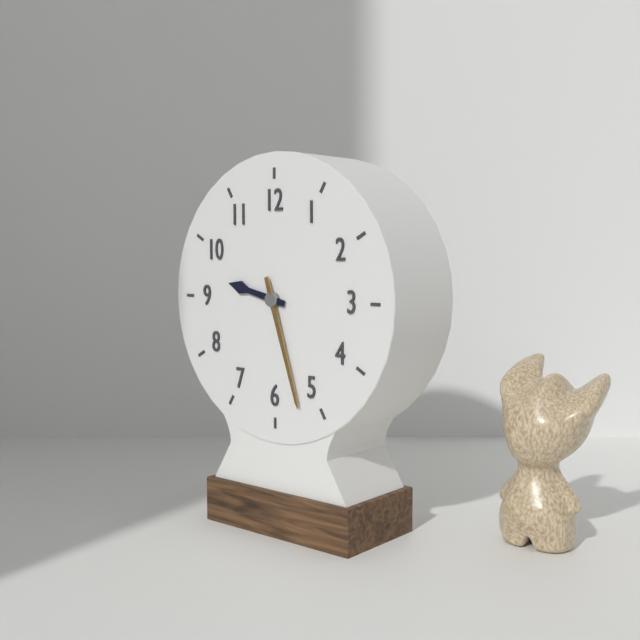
9:27
